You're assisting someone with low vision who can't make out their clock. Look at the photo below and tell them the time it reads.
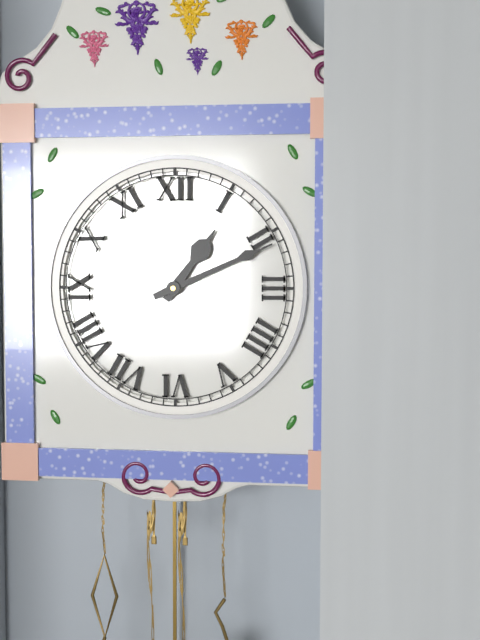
1:11
